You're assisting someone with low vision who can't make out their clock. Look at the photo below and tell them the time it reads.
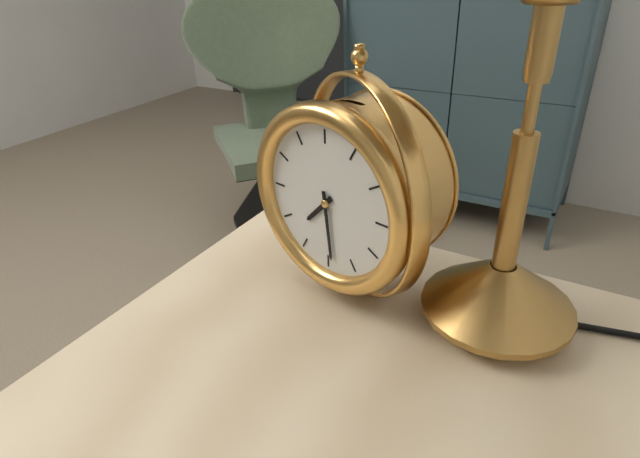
7:29
